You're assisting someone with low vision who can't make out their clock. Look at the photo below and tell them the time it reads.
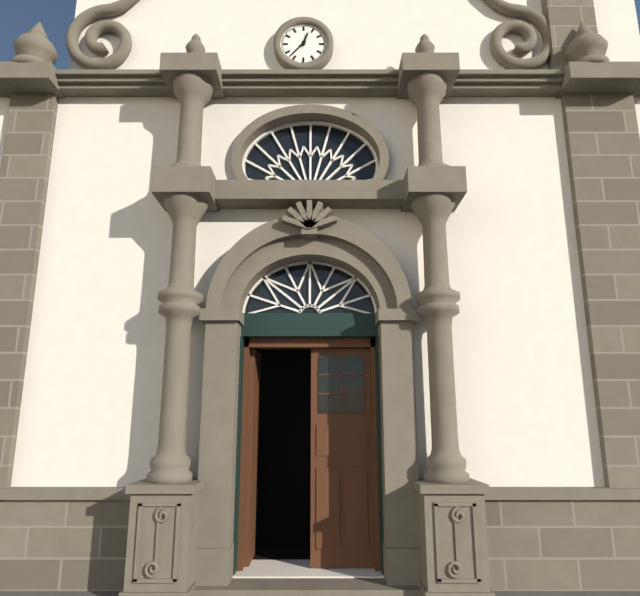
12:37
